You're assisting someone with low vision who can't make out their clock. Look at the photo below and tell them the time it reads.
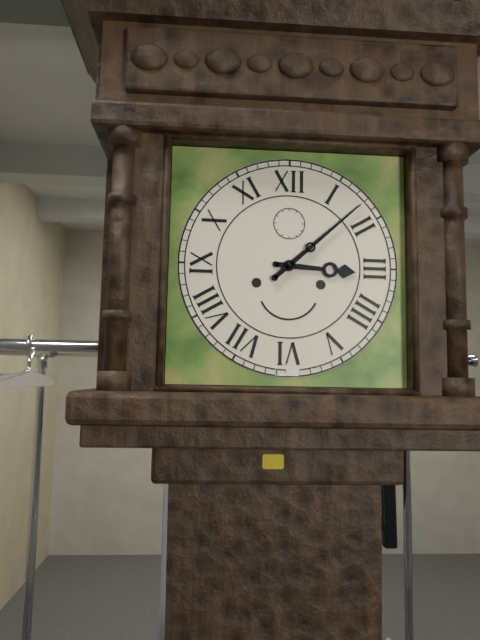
3:08
